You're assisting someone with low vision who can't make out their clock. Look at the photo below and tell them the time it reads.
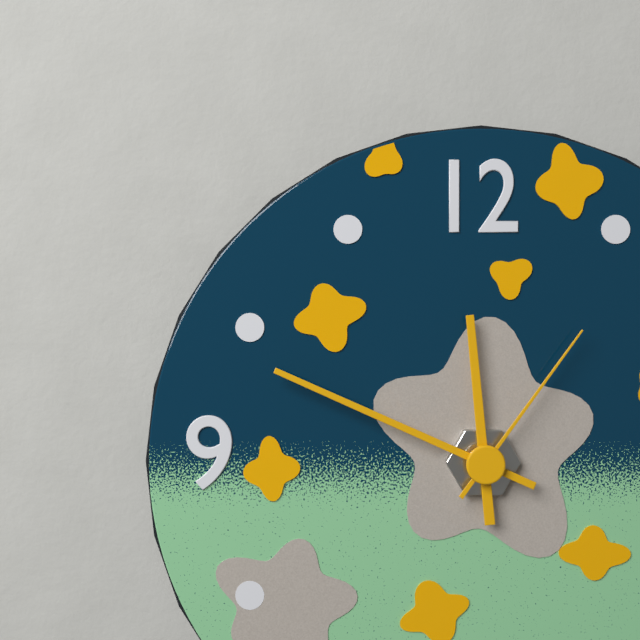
11:49:06
